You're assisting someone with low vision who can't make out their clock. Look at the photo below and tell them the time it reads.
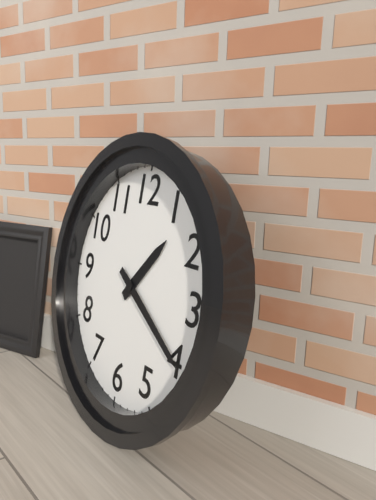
1:20
